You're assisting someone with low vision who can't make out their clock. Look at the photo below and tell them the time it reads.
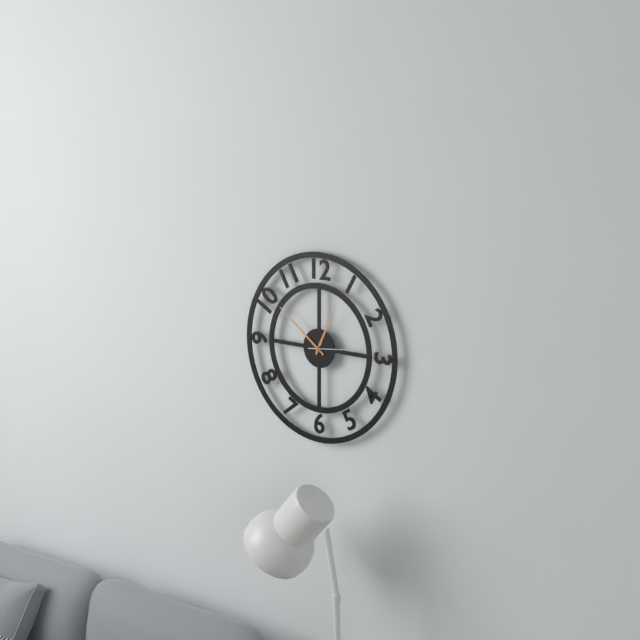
12:51
